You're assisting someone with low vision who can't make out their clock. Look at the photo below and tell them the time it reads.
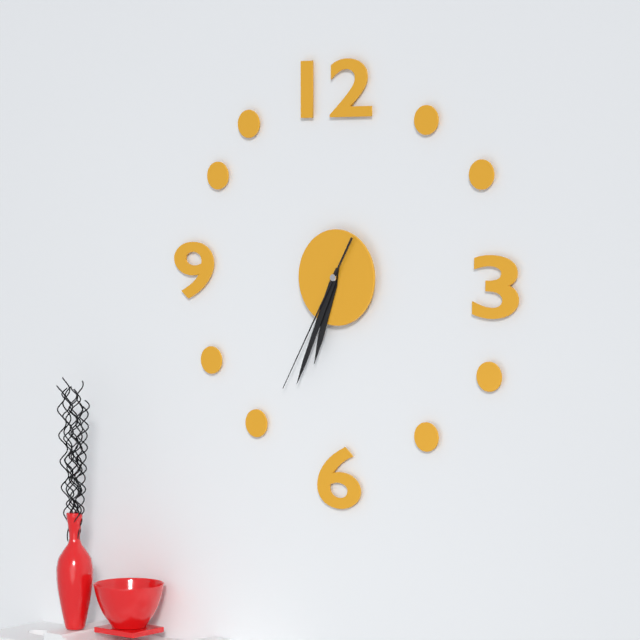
6:34:35
